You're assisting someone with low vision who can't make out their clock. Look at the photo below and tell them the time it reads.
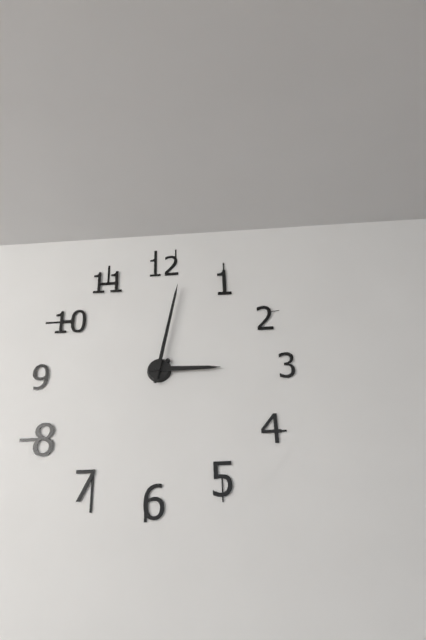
3:02
